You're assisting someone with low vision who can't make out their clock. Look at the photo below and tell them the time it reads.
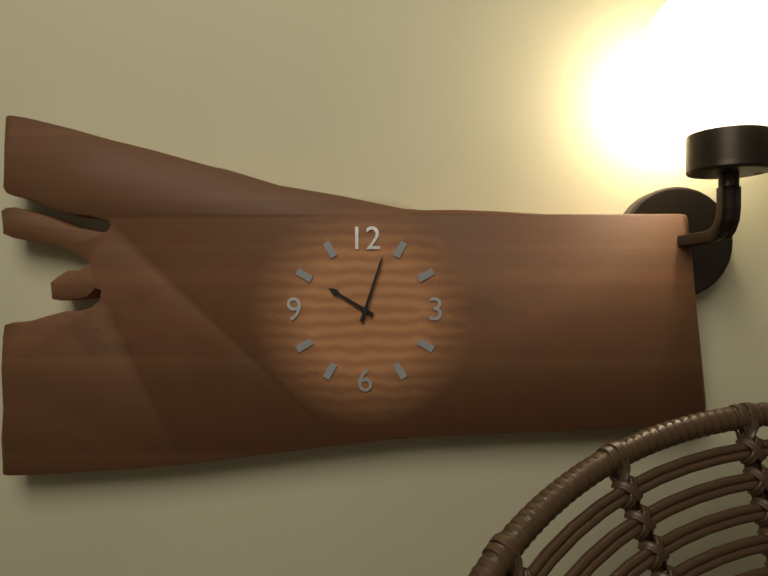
10:03
